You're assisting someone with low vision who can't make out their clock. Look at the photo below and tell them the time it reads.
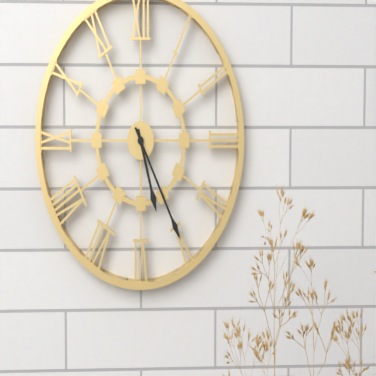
5:25
